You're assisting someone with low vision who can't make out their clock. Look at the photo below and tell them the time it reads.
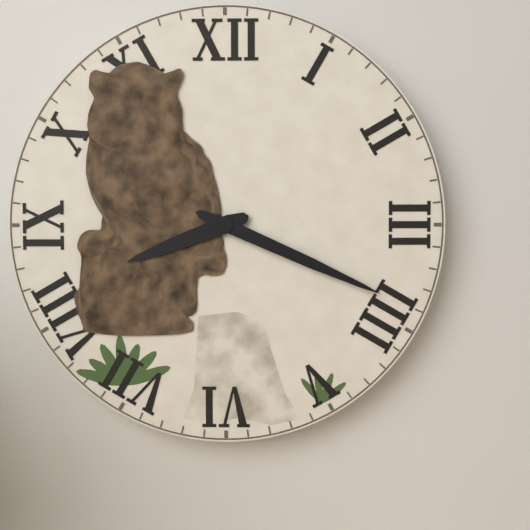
8:19
